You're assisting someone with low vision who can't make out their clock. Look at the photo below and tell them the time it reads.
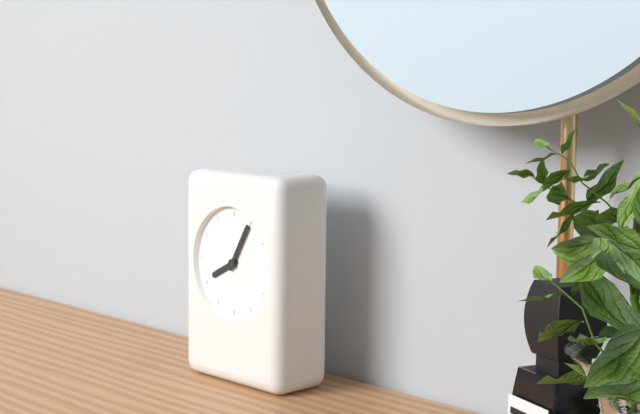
8:05
